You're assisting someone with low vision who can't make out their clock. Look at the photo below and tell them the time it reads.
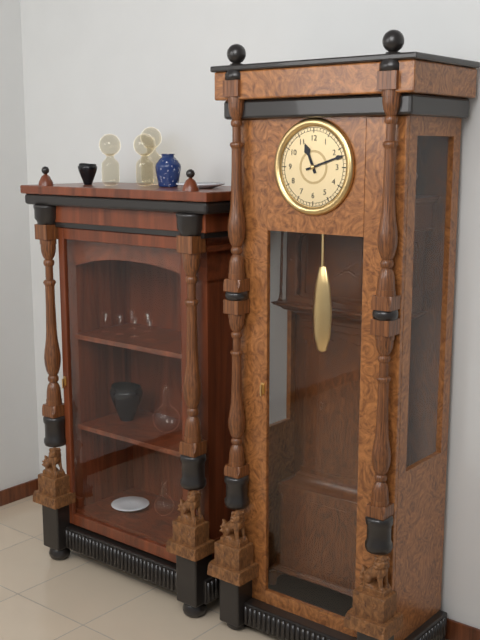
11:12
